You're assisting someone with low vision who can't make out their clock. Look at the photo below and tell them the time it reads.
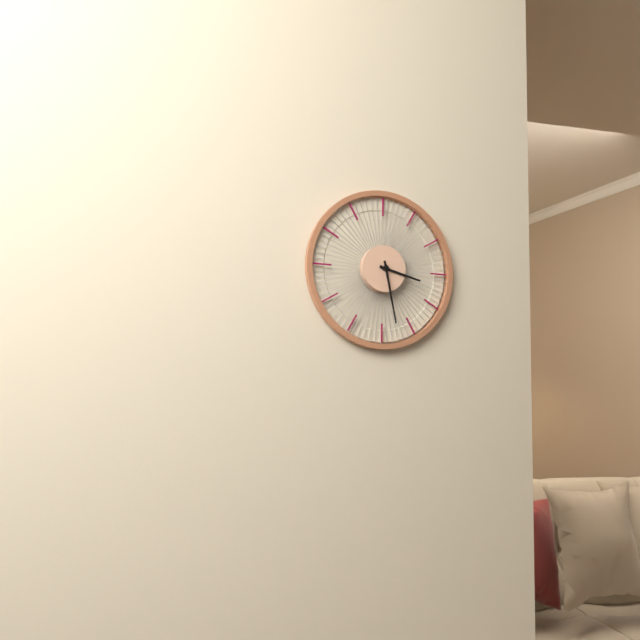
3:28
